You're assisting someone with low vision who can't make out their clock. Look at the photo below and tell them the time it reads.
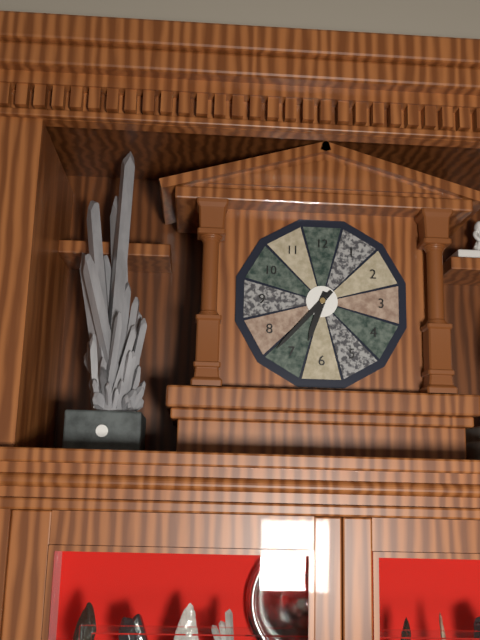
6:37
